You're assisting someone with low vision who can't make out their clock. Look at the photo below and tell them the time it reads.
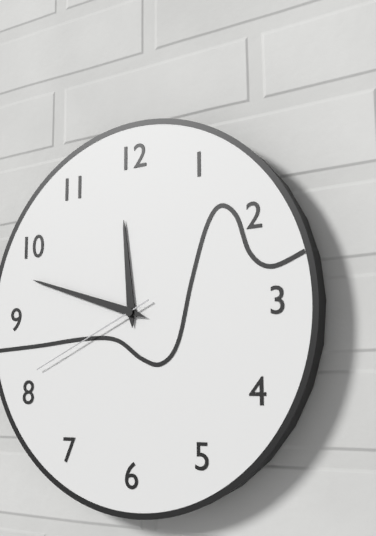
11:48:41
